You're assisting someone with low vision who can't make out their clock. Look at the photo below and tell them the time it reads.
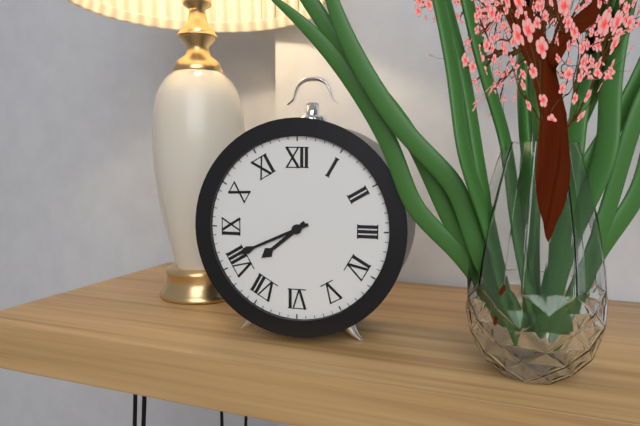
7:41
